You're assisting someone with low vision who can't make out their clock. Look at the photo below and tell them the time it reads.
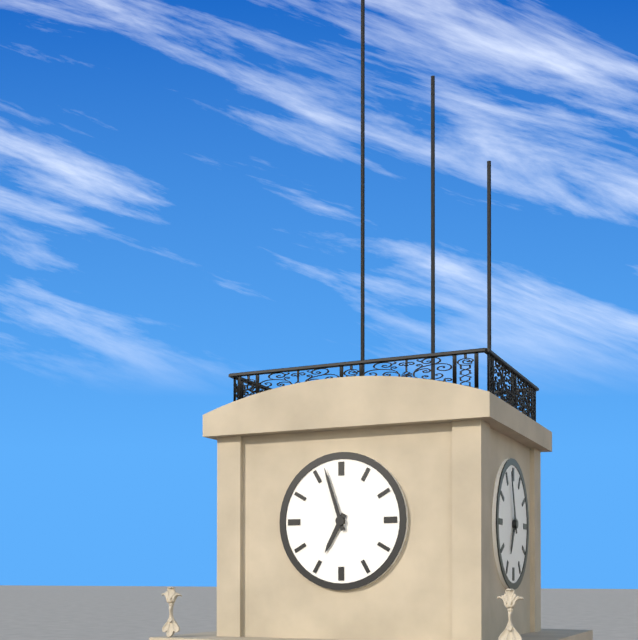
6:57
